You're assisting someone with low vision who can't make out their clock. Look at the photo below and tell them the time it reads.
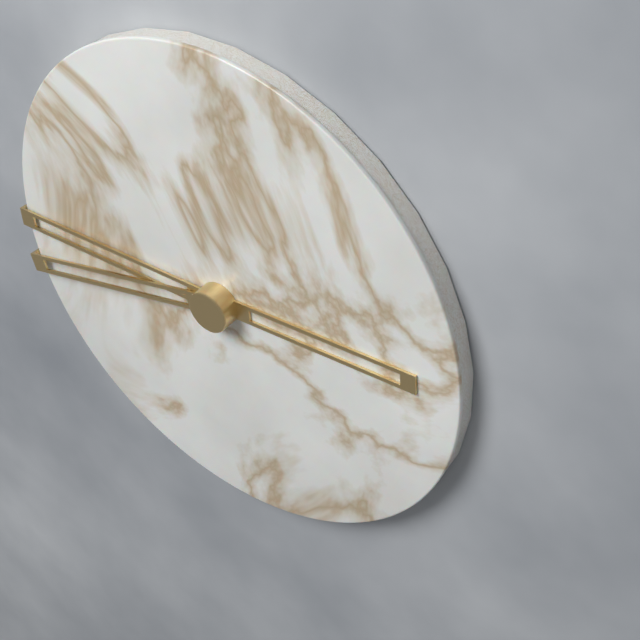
2:44:42
